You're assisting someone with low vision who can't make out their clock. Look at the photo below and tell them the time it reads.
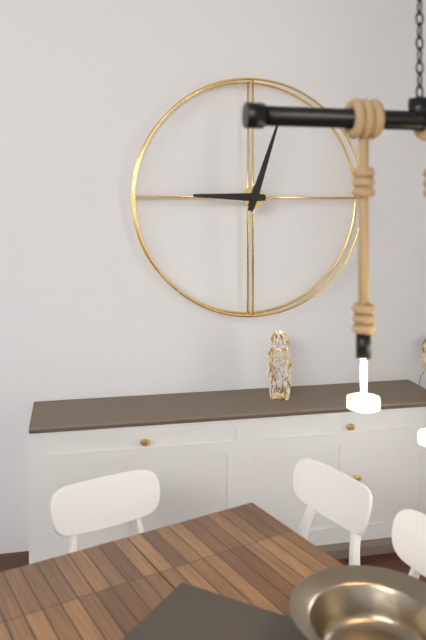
9:03
